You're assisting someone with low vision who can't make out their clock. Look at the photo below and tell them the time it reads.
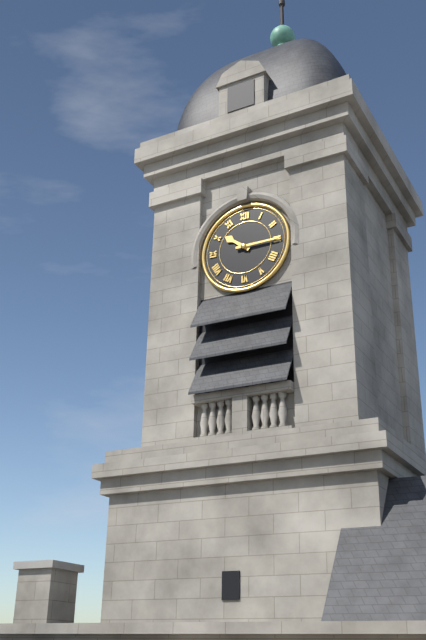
10:15
